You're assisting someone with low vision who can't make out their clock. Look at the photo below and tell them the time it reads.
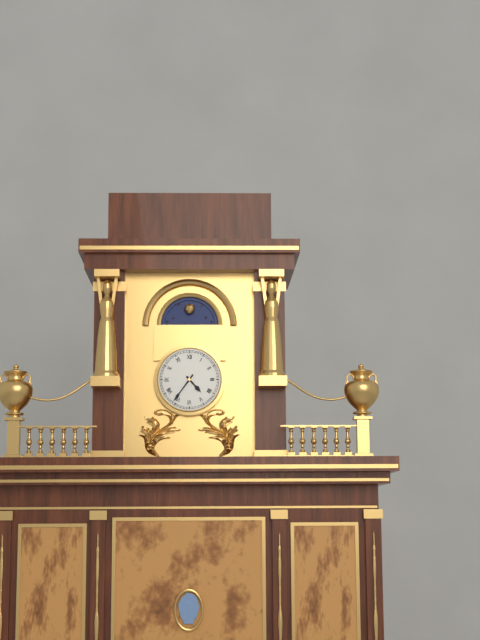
4:36
